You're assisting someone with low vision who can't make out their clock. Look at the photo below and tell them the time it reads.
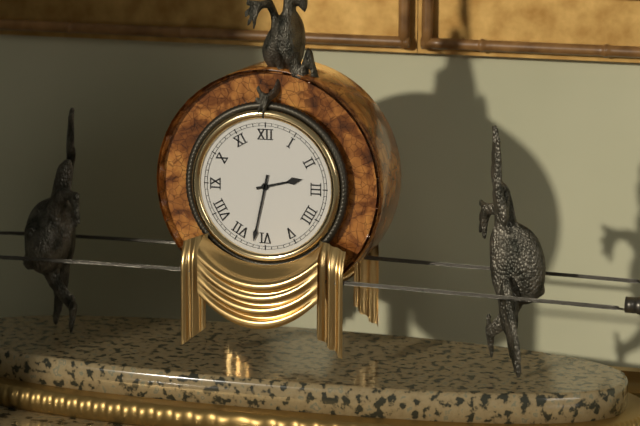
2:32
